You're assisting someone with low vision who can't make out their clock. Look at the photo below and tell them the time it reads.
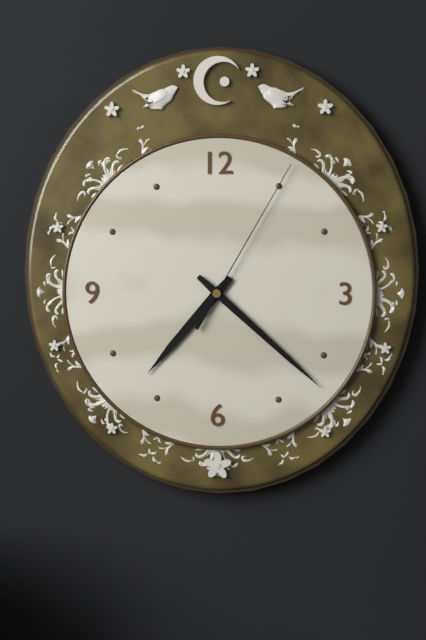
7:22:05
